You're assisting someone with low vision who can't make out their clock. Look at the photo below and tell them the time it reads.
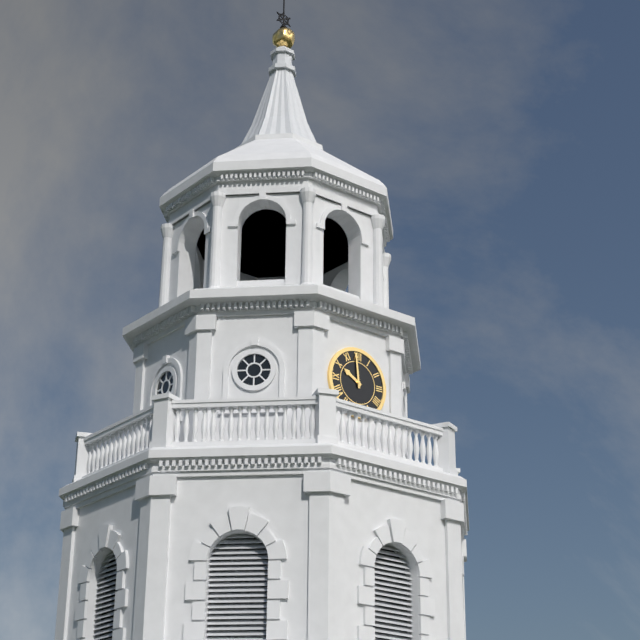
9:59
